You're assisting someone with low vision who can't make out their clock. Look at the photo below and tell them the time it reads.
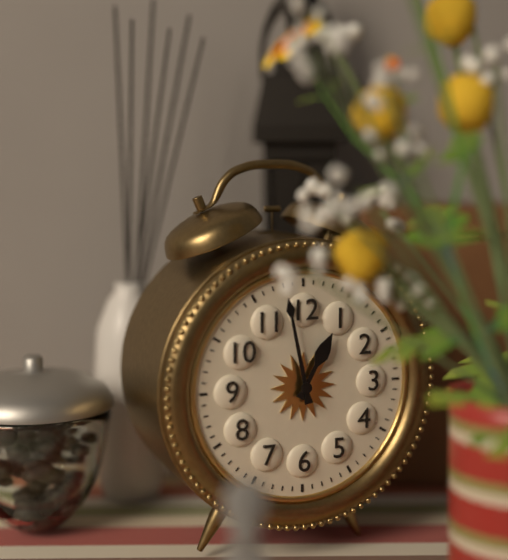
12:58
